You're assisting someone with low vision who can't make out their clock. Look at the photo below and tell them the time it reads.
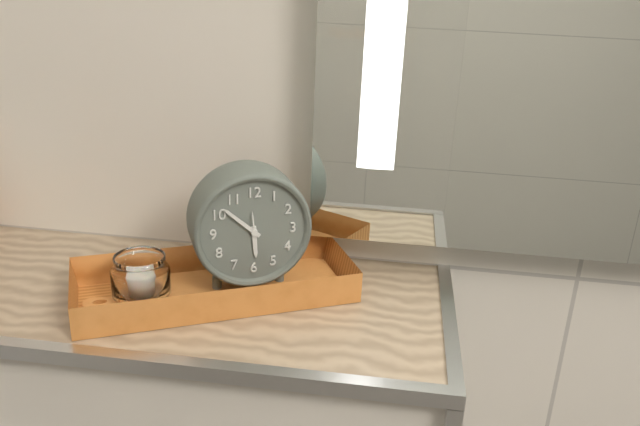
5:52
